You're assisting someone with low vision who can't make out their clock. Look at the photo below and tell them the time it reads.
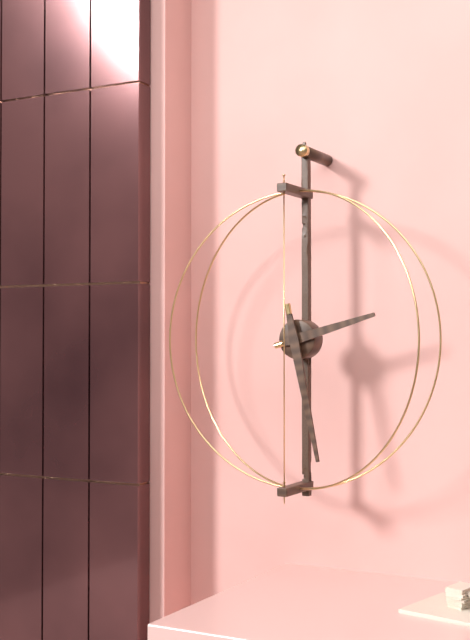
2:28
